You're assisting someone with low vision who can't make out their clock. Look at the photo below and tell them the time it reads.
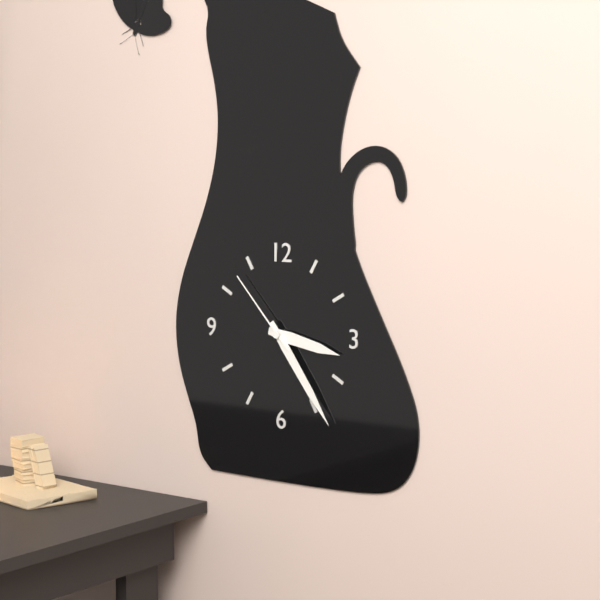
3:24:53
